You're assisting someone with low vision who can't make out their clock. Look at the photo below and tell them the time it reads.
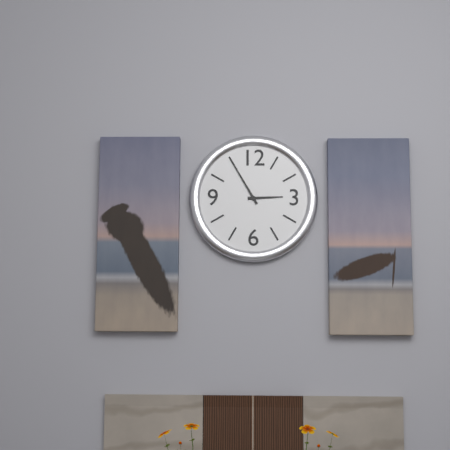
2:55
